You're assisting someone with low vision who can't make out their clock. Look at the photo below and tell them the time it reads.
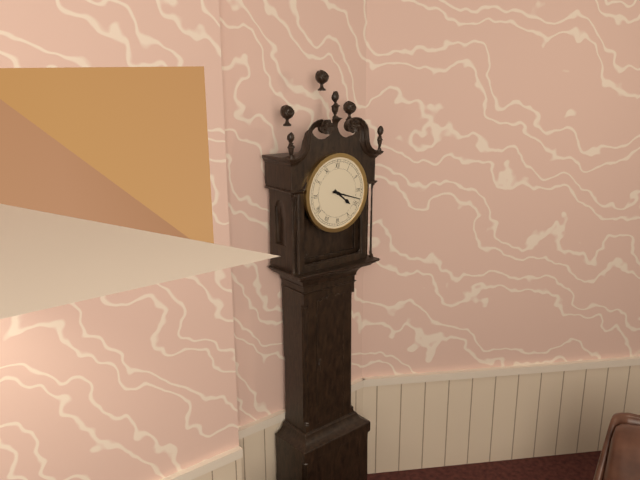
4:18
